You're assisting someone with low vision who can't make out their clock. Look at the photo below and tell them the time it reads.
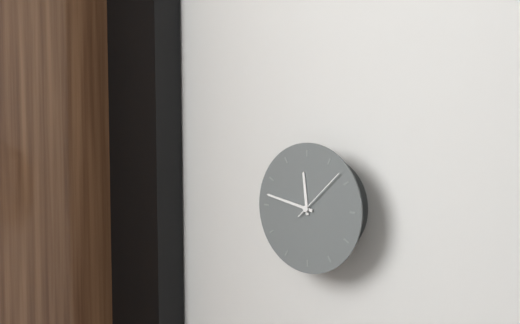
11:47:08
